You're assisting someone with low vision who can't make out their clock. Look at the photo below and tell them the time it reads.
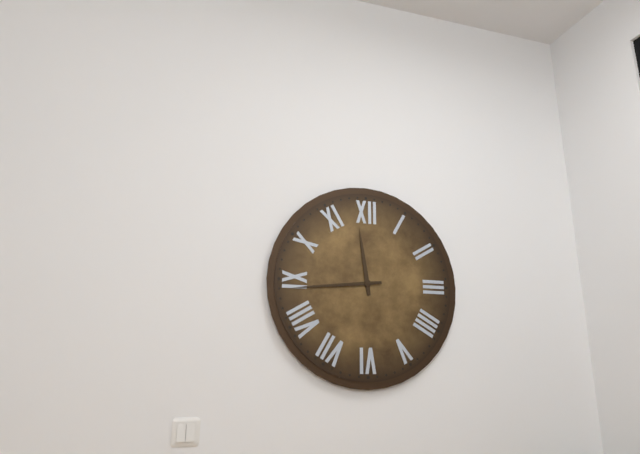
11:44
